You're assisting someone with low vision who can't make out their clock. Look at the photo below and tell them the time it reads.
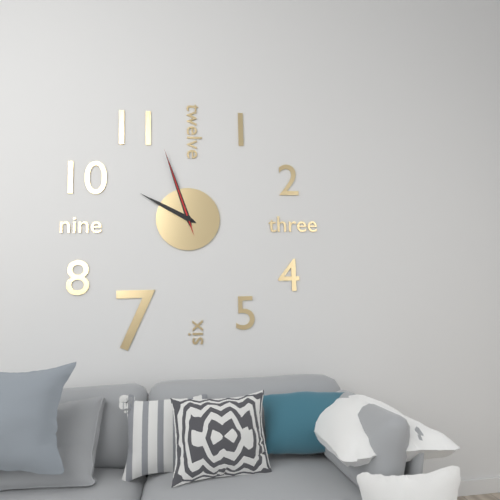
9:57:57
